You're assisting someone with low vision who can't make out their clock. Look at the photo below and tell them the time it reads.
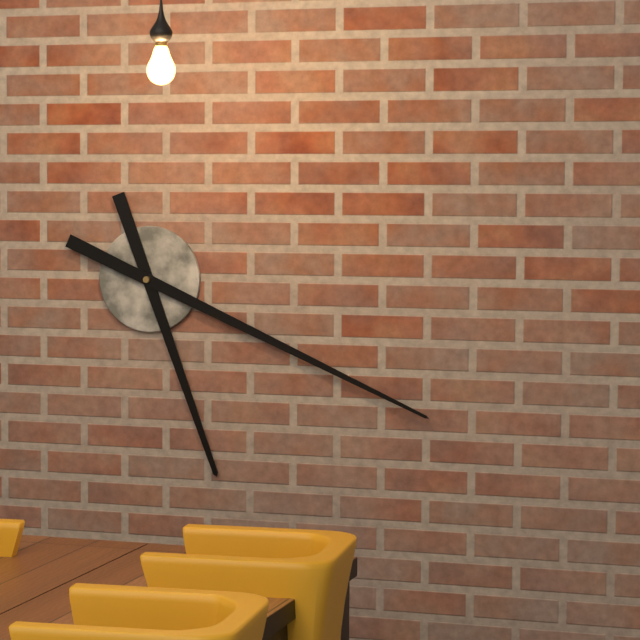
5:19
